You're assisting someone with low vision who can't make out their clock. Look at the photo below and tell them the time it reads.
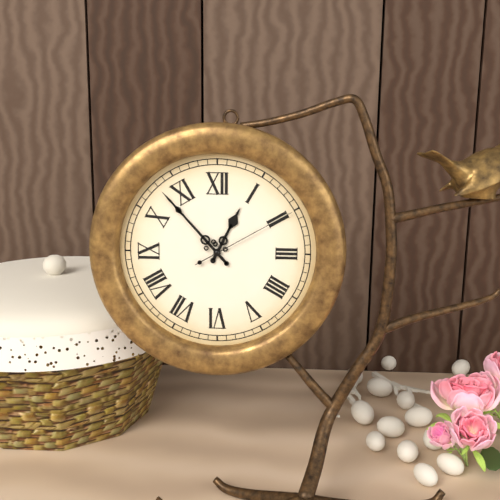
12:53:10
